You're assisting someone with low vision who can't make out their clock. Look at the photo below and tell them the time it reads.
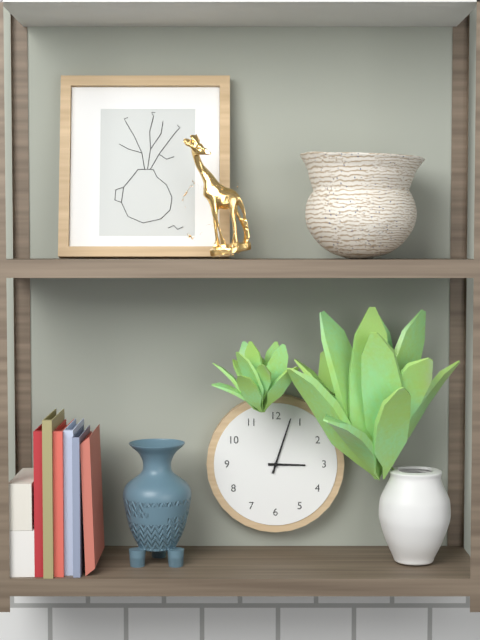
3:03
